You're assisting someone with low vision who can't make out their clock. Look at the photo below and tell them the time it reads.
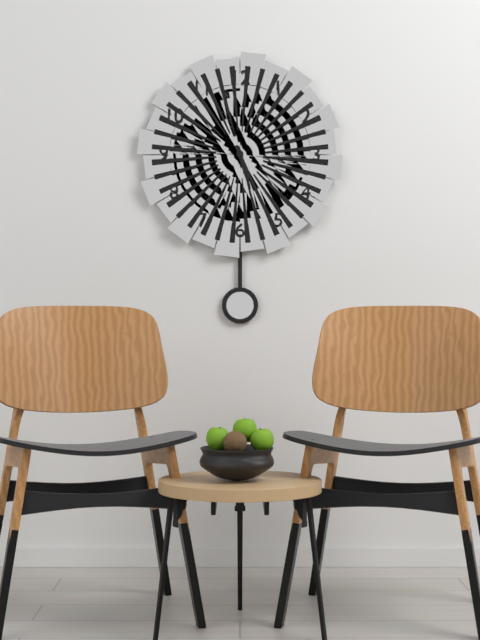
5:26
